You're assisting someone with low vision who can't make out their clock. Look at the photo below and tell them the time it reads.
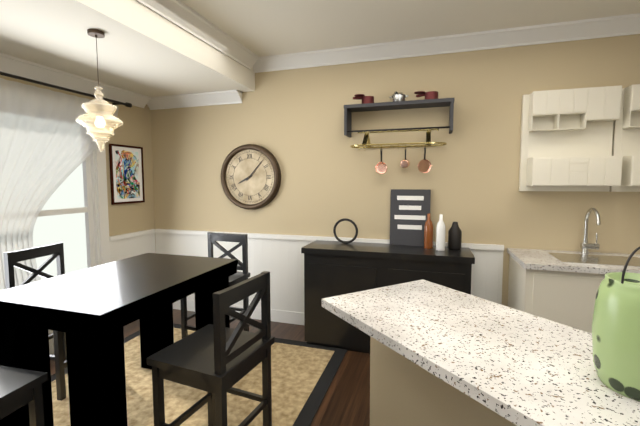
8:07
